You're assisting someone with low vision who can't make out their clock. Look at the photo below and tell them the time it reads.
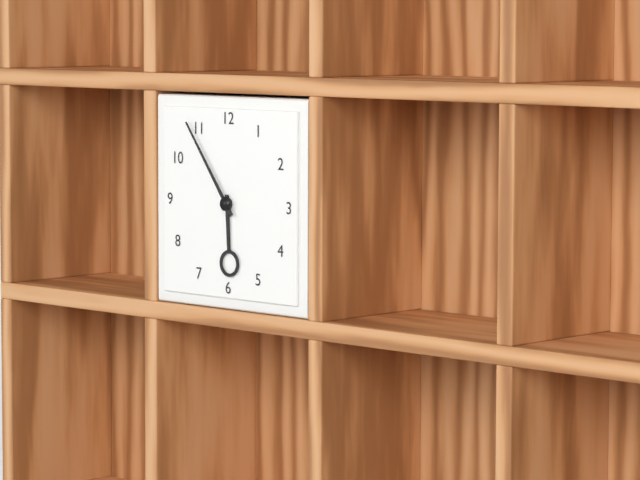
5:54
